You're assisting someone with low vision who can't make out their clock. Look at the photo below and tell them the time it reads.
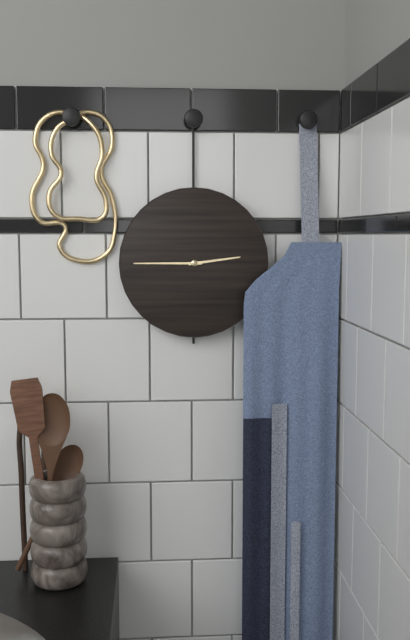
2:45
